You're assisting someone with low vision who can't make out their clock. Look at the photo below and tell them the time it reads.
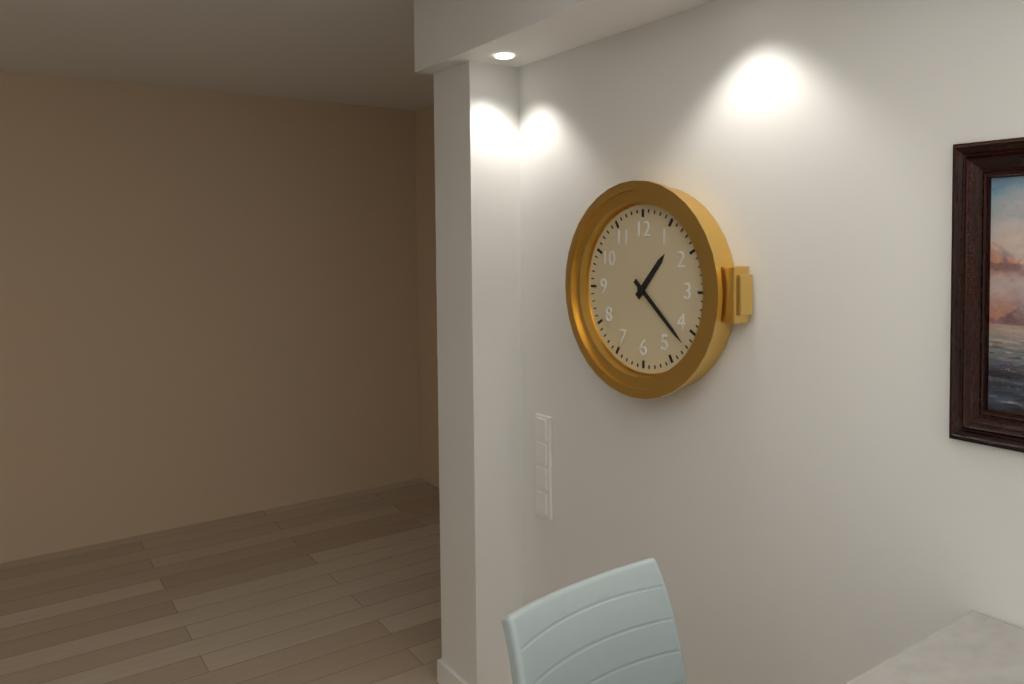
1:22
